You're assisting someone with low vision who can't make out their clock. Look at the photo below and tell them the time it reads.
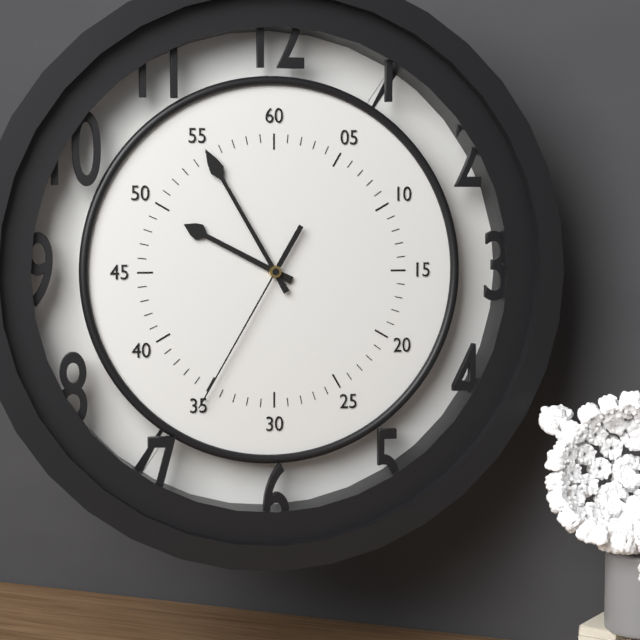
9:55:35
